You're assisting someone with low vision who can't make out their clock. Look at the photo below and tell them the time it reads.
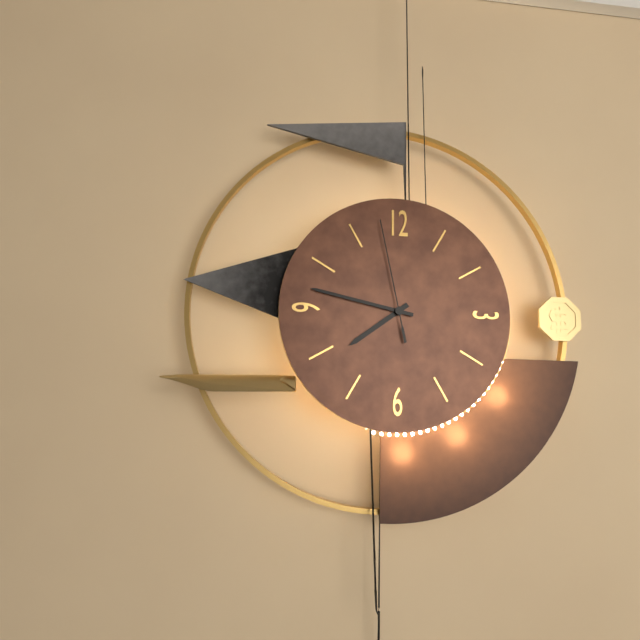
7:47:58
